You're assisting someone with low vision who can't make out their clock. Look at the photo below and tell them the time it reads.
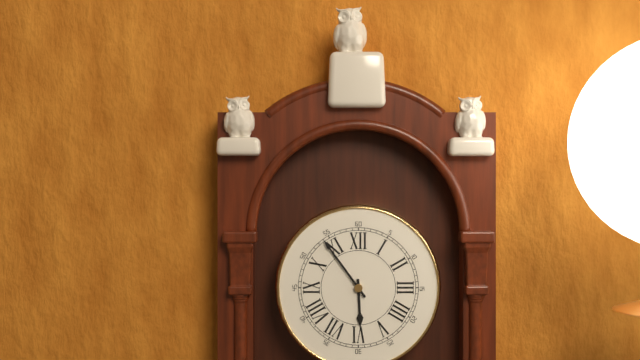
5:54
